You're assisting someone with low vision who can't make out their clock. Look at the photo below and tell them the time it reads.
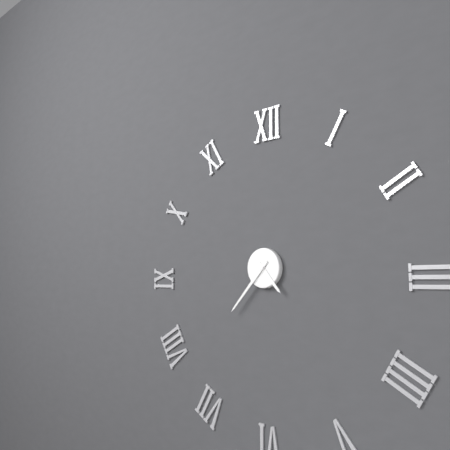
4:37
